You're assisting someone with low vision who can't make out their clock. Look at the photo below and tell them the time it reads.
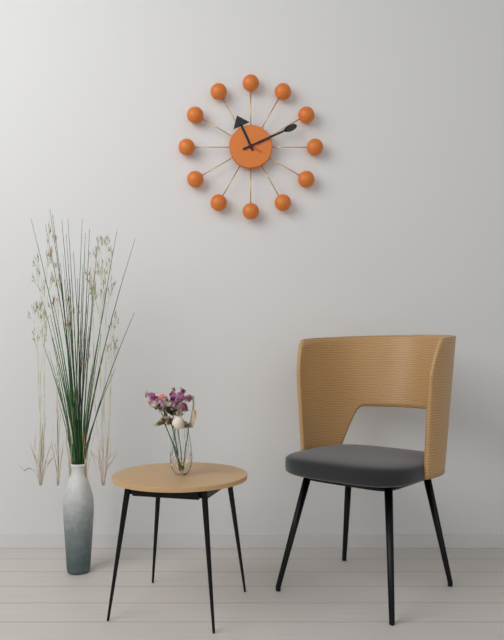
11:11
